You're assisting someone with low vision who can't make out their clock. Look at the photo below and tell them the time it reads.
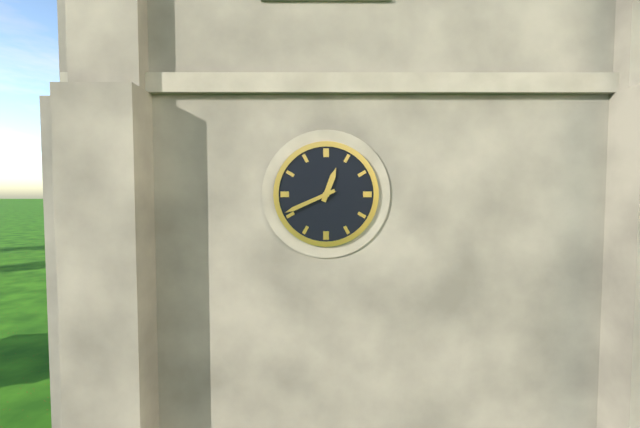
12:41
